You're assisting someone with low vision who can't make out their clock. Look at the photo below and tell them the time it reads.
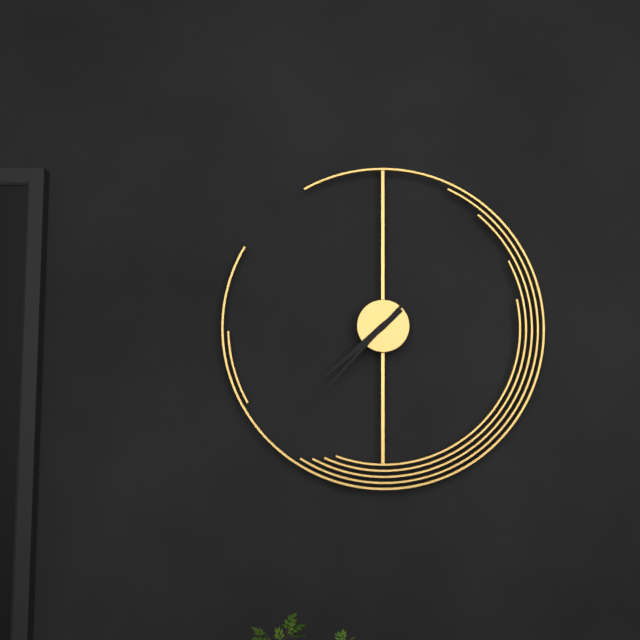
7:37
